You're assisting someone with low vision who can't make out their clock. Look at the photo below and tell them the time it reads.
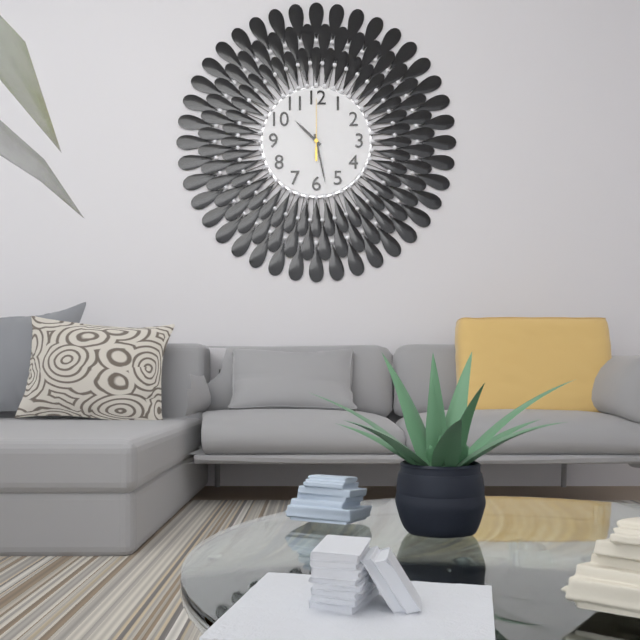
10:28:00
